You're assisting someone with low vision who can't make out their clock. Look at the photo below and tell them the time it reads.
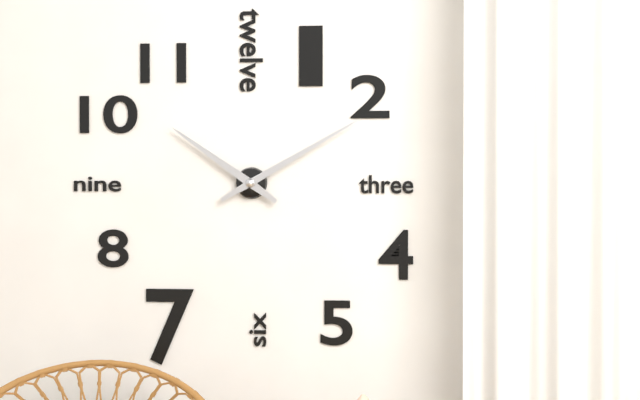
10:10
